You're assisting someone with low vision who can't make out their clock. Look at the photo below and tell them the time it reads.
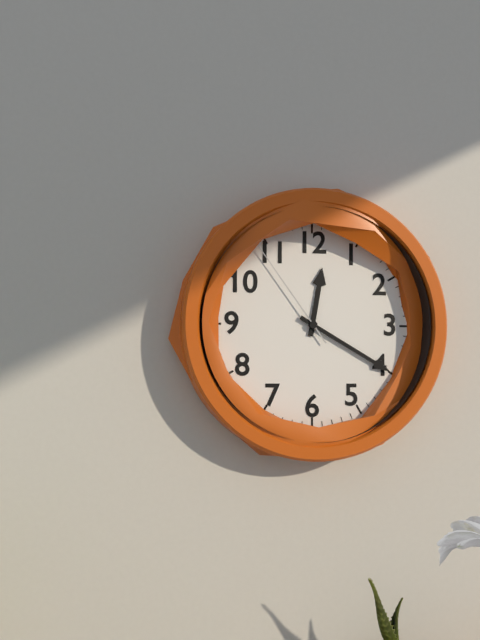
12:20:54
